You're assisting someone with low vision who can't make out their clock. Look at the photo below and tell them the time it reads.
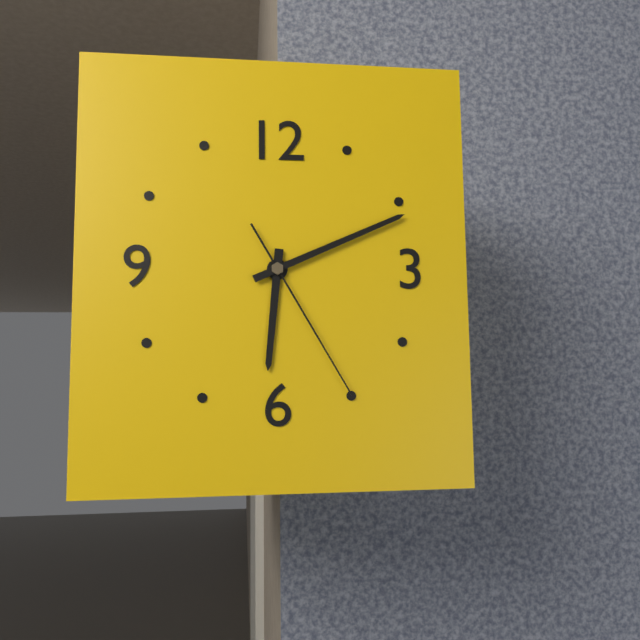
6:11:25
